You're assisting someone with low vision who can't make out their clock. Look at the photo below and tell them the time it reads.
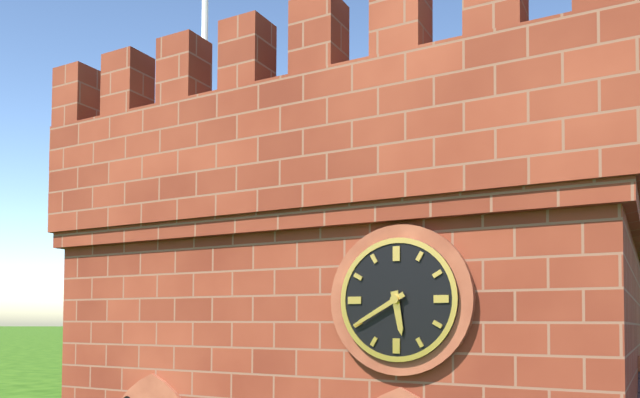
5:40
